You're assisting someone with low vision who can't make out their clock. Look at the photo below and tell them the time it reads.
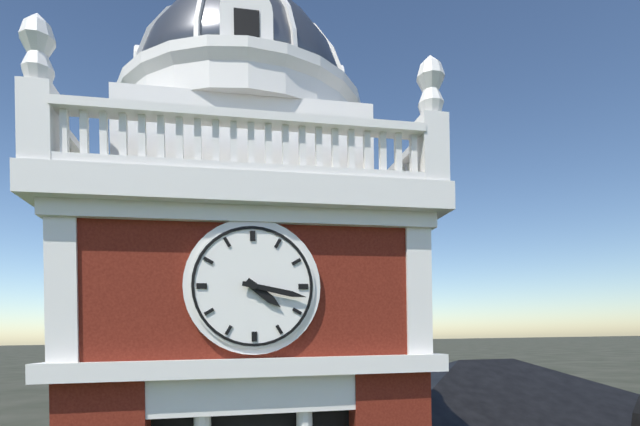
4:17
